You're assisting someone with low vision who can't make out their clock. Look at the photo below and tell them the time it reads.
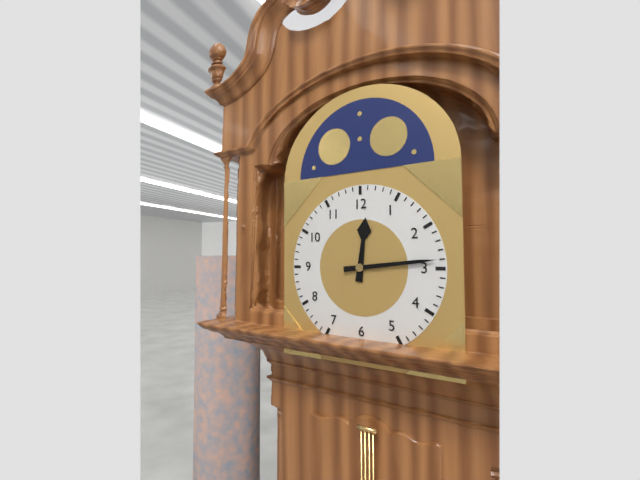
12:14
